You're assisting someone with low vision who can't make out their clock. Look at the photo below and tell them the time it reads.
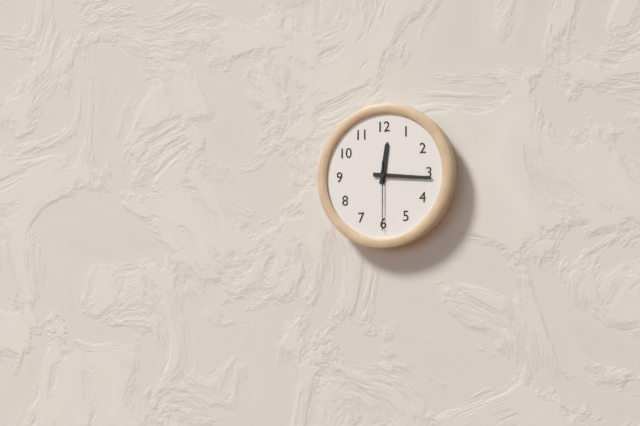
12:16:30
